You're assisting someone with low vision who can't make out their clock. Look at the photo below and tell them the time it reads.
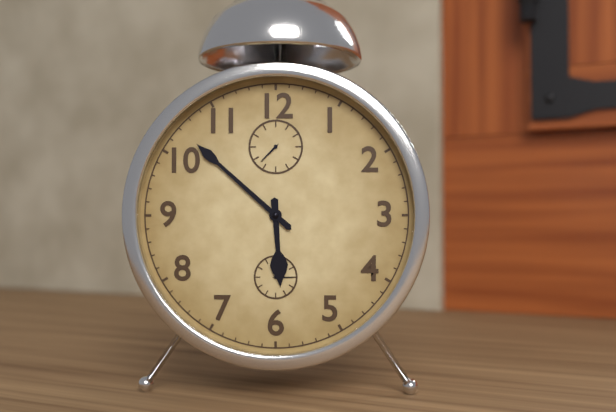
5:52
